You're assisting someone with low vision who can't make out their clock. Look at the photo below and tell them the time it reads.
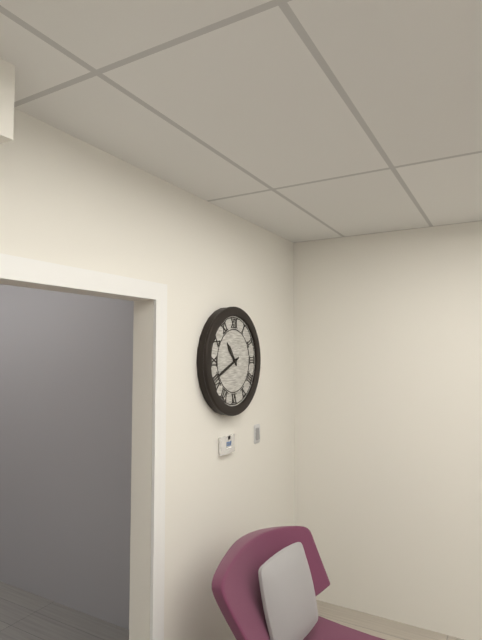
10:41
